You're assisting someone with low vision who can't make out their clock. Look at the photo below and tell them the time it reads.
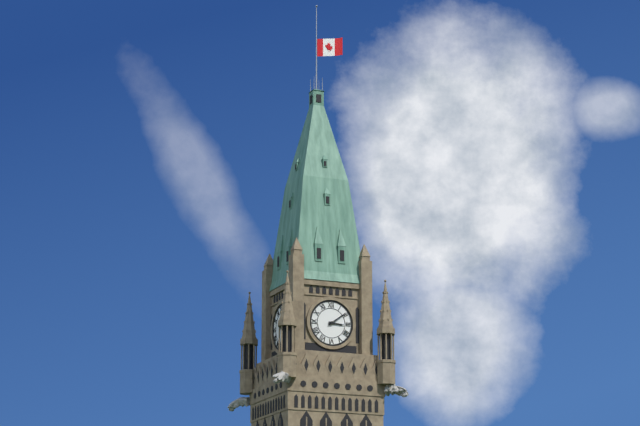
3:09
